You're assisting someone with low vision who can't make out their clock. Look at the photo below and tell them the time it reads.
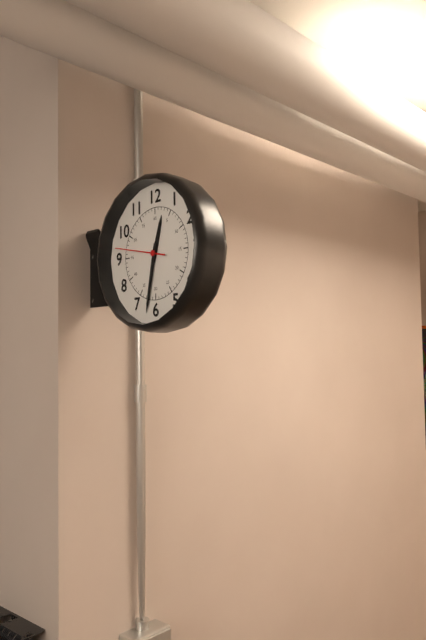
12:32:47
